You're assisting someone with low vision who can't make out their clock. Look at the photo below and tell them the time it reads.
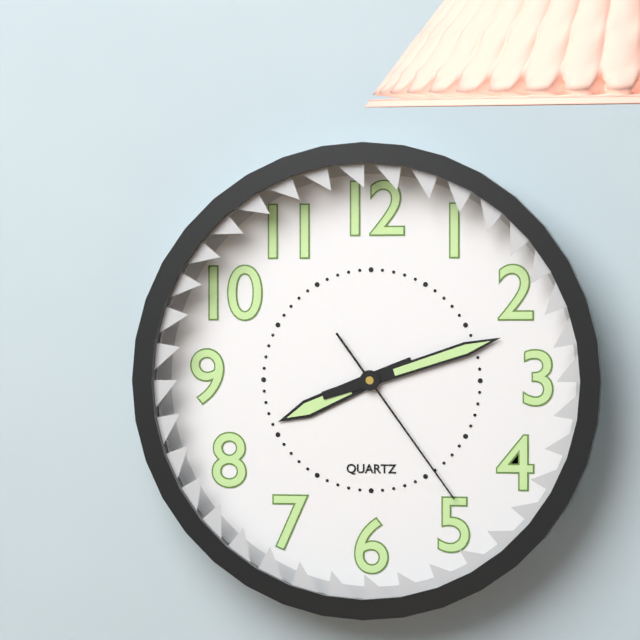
8:12:24
